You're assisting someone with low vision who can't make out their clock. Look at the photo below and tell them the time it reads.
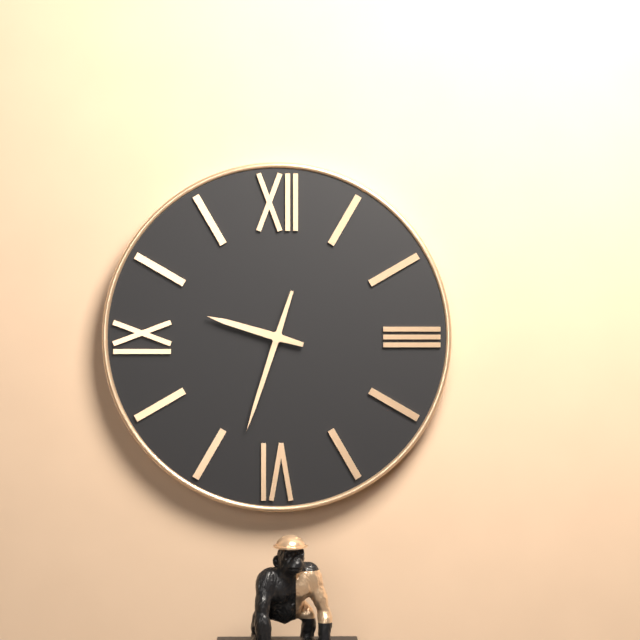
9:33
